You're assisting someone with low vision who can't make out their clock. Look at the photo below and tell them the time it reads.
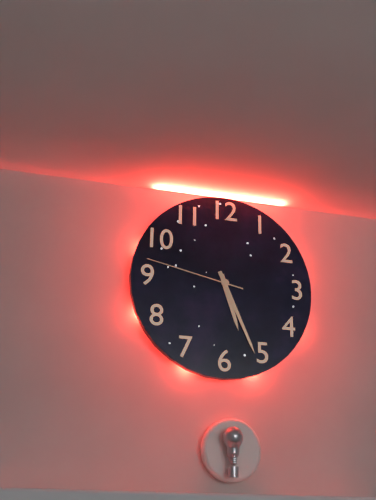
5:26:47
